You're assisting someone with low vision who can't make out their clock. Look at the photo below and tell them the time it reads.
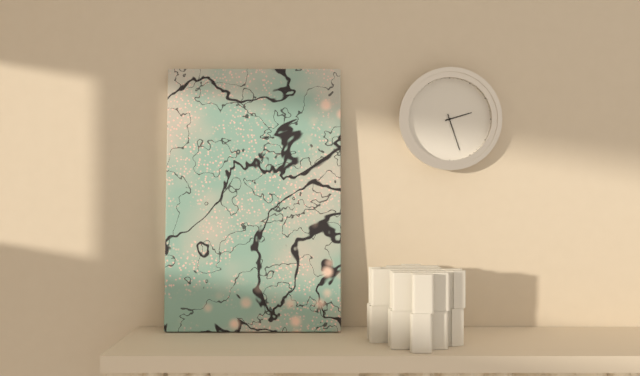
2:27
